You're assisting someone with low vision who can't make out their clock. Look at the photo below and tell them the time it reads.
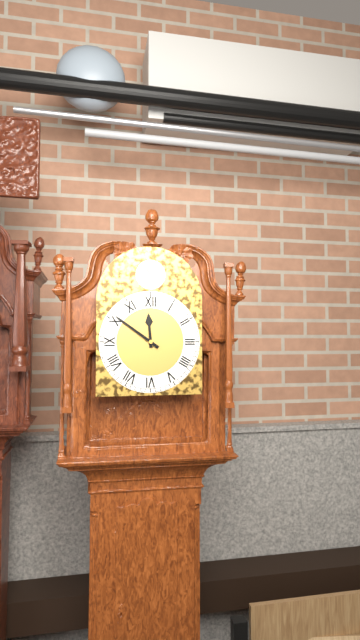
11:51
